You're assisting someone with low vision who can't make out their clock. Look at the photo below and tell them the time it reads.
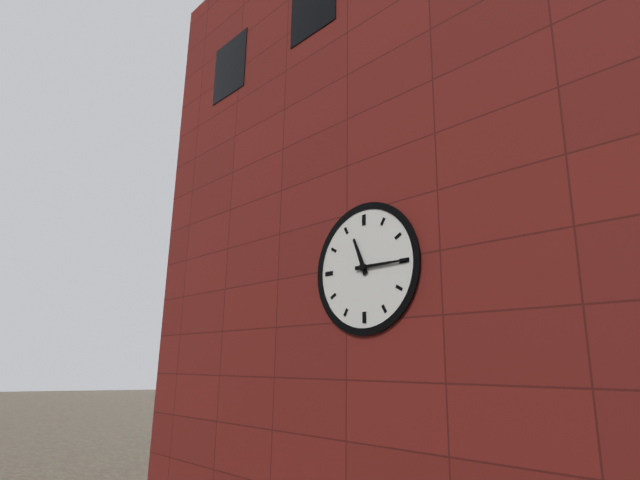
11:15
